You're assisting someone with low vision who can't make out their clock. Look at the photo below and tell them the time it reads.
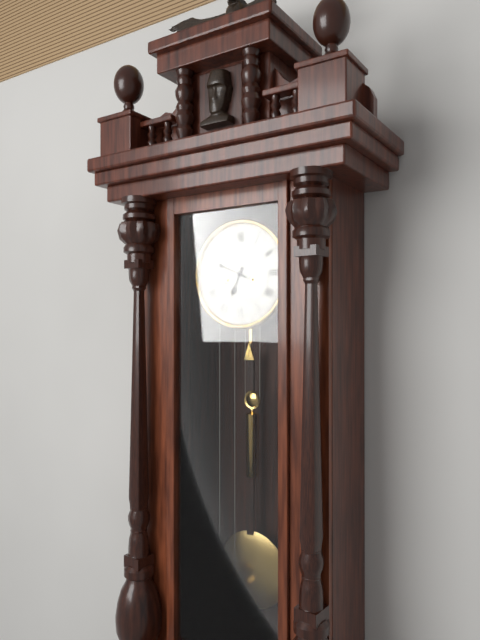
6:49
